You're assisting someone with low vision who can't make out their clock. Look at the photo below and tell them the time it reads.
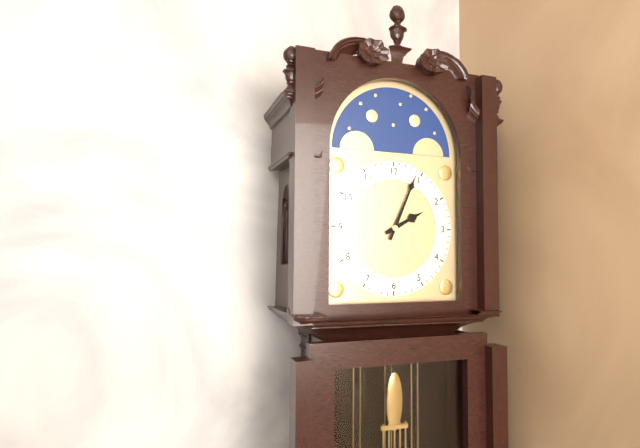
2:04
